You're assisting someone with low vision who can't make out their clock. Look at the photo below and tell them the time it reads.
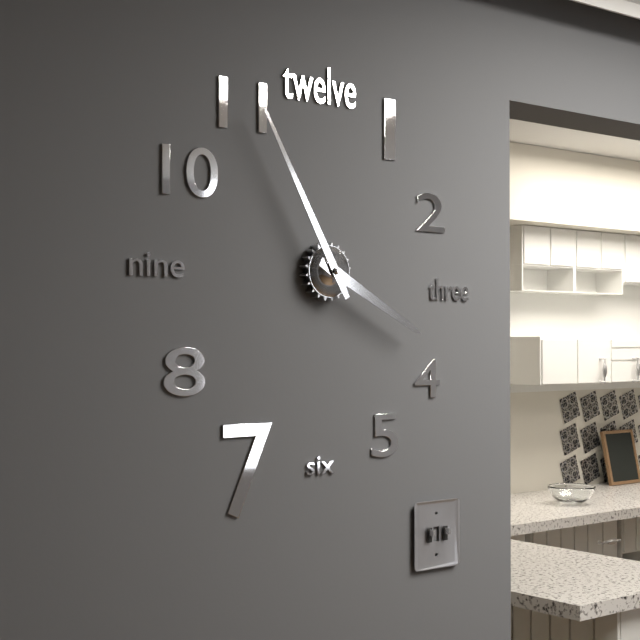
3:55
